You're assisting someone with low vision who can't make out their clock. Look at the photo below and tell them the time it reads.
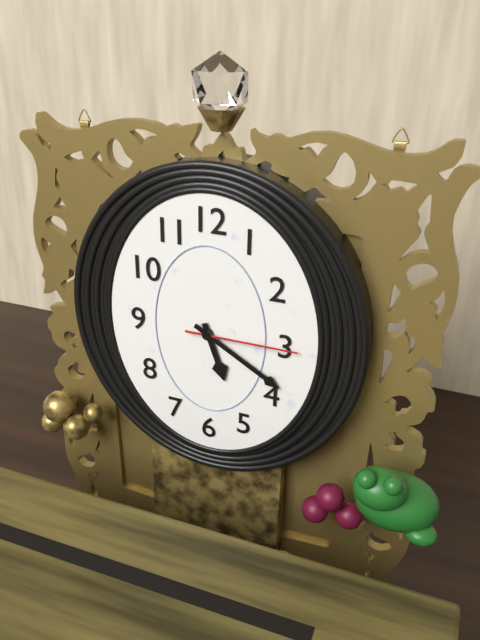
5:20:15
